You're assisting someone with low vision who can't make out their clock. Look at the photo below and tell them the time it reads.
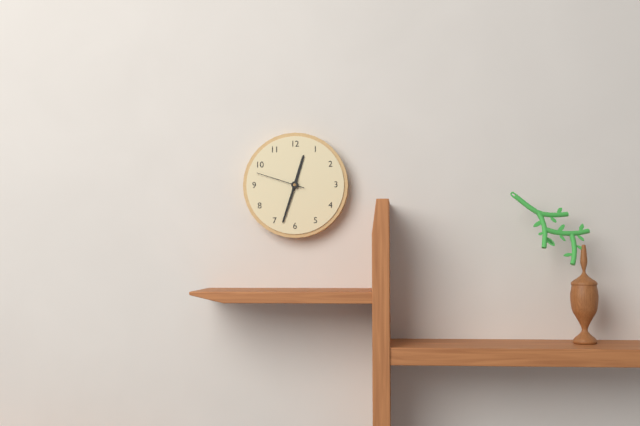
12:33:48
